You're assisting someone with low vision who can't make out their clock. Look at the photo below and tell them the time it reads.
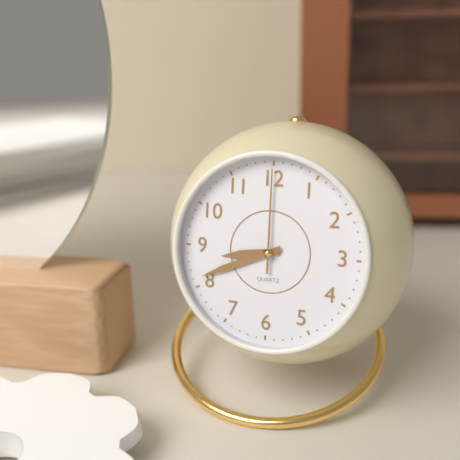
8:41:00
